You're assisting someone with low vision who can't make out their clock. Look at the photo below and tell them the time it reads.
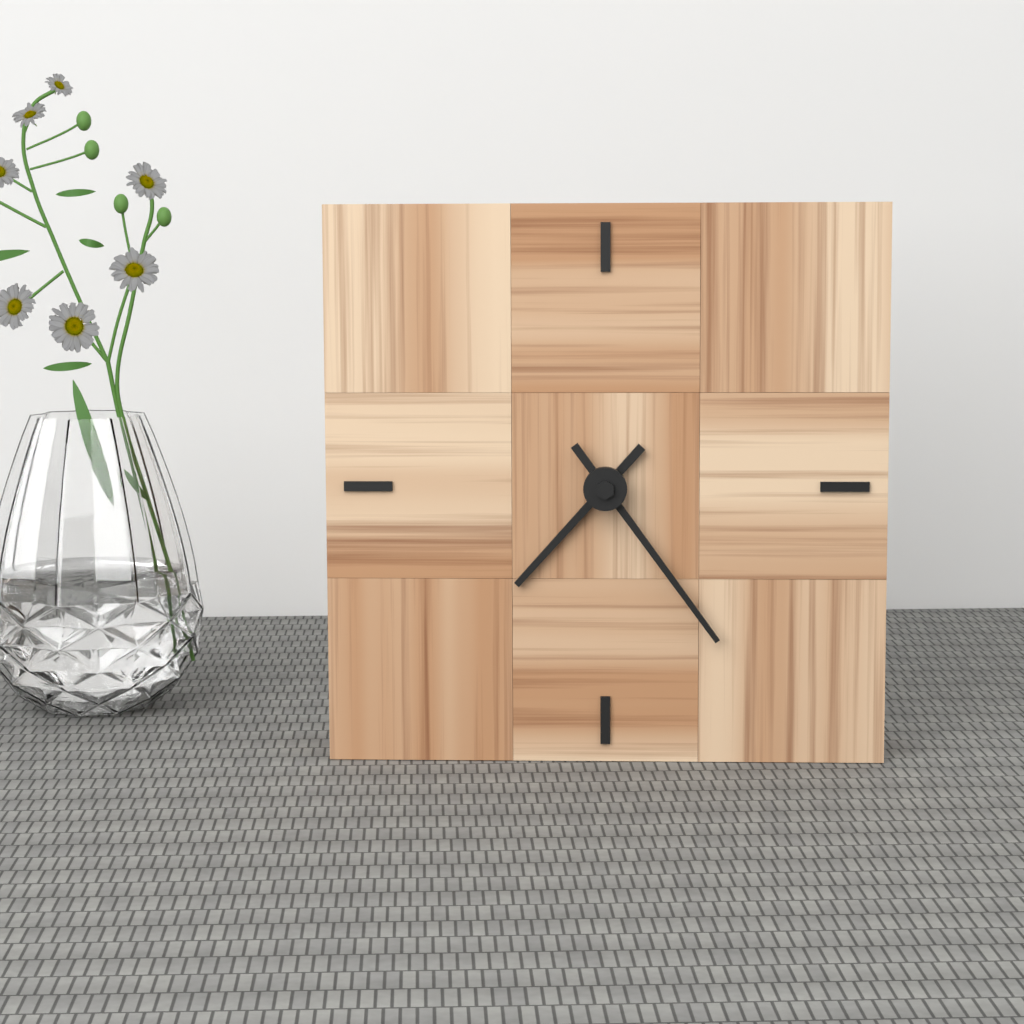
7:24
